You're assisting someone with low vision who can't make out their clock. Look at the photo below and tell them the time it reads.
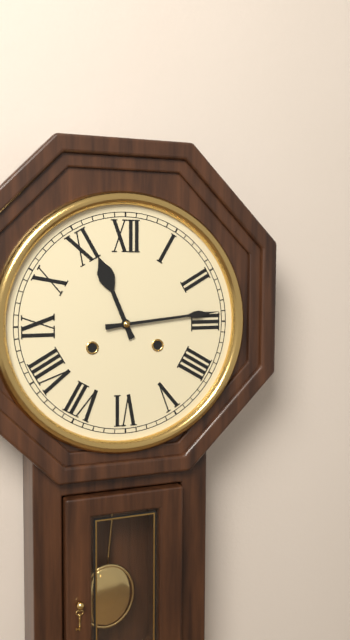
11:14
